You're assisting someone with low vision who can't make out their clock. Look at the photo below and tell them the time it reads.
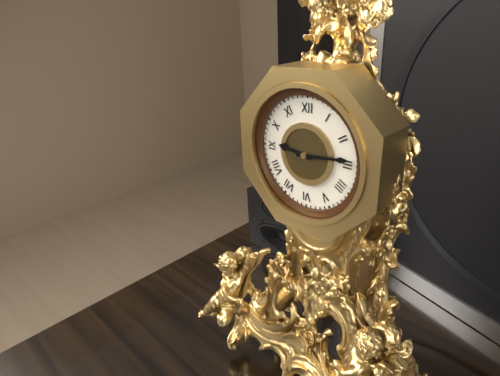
9:14
